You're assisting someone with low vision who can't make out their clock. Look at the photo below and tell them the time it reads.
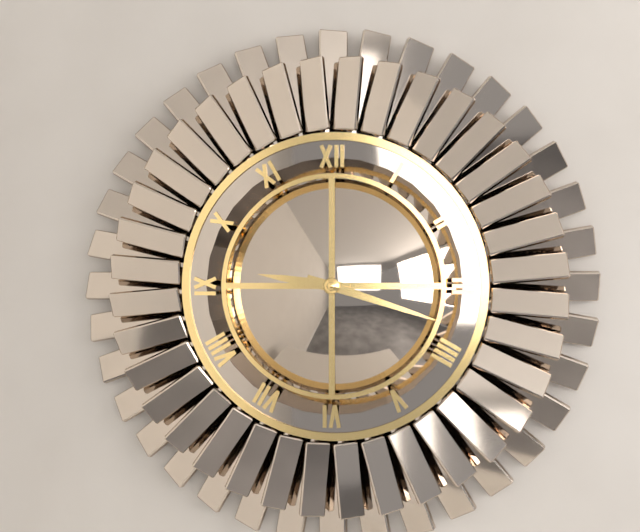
9:18
